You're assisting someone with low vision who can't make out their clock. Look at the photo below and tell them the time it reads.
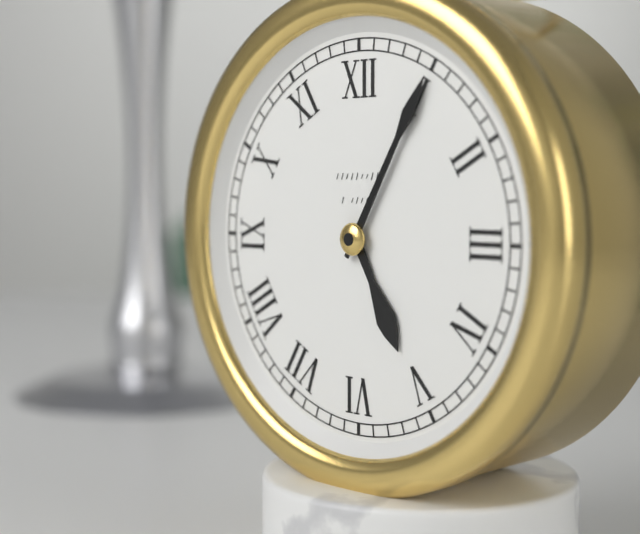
5:05
